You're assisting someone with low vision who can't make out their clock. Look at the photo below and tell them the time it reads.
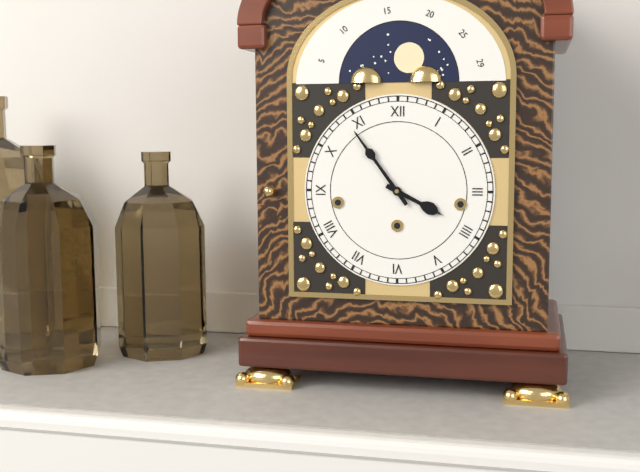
3:54
